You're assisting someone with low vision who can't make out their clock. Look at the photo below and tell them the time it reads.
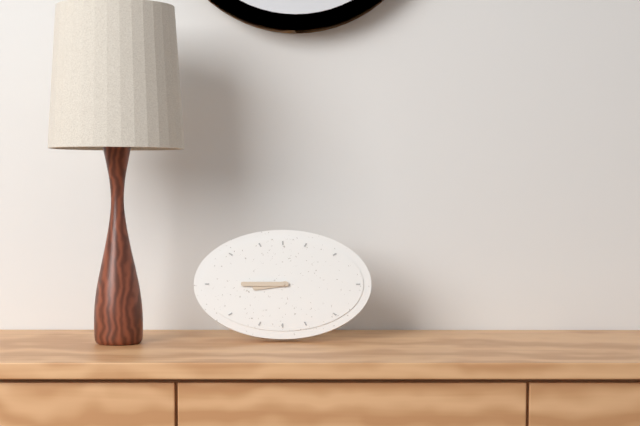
8:45
